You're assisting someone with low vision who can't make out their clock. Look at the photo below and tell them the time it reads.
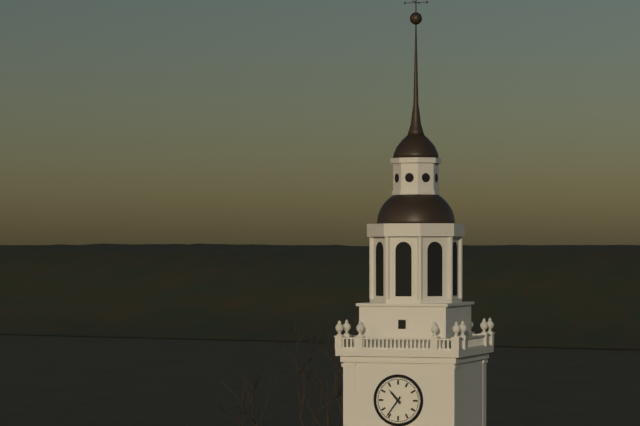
10:36
